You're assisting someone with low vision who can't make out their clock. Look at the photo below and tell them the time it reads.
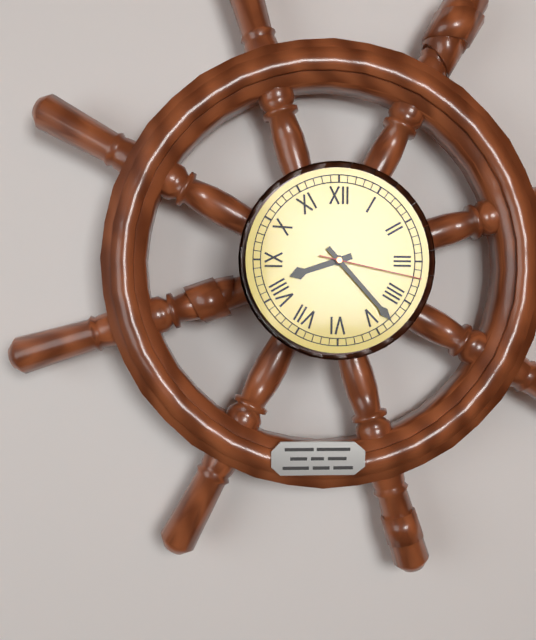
8:23:17
